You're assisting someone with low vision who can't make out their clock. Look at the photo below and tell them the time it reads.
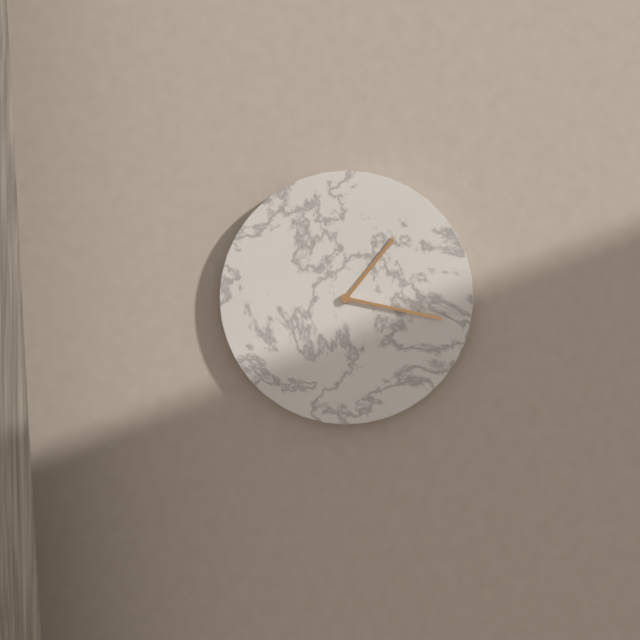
1:17
